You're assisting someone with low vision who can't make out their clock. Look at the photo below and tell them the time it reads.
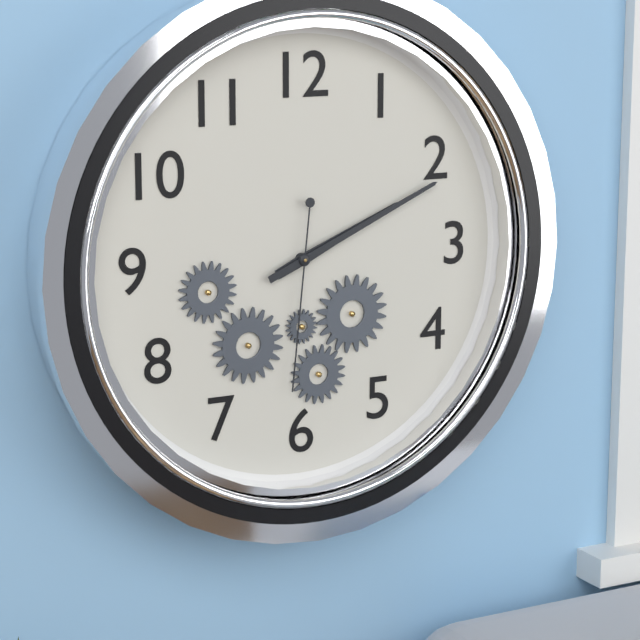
2:11:31
